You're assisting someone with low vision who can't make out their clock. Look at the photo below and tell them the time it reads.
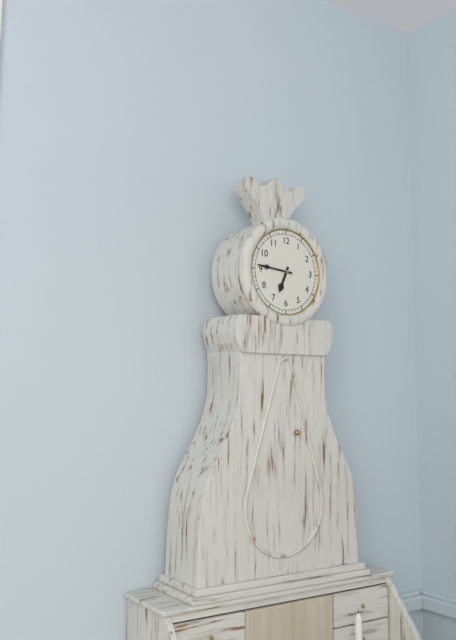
6:46
